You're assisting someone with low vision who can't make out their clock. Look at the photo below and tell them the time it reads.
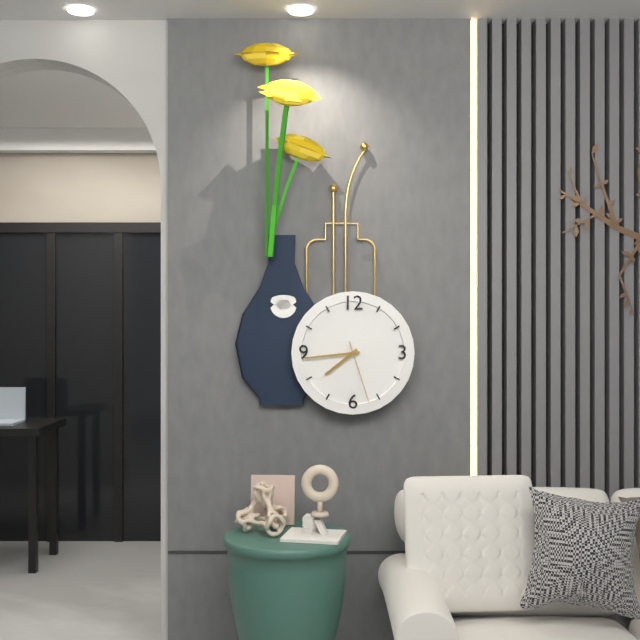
7:44:27
